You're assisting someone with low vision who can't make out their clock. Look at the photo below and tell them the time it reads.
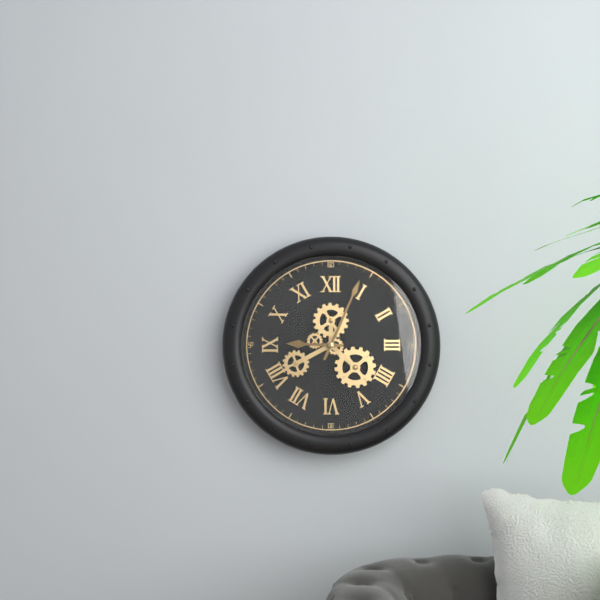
9:04
